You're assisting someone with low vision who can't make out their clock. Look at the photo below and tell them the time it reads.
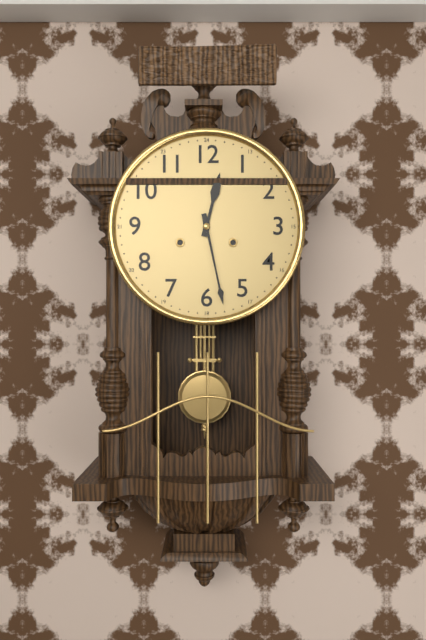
12:28
